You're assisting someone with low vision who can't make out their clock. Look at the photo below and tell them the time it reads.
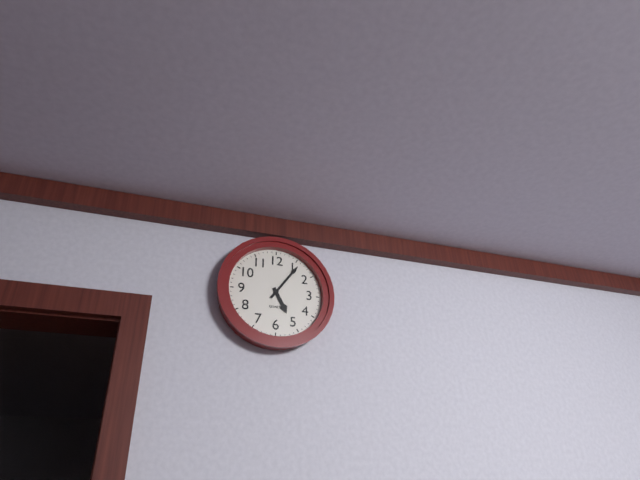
5:06
